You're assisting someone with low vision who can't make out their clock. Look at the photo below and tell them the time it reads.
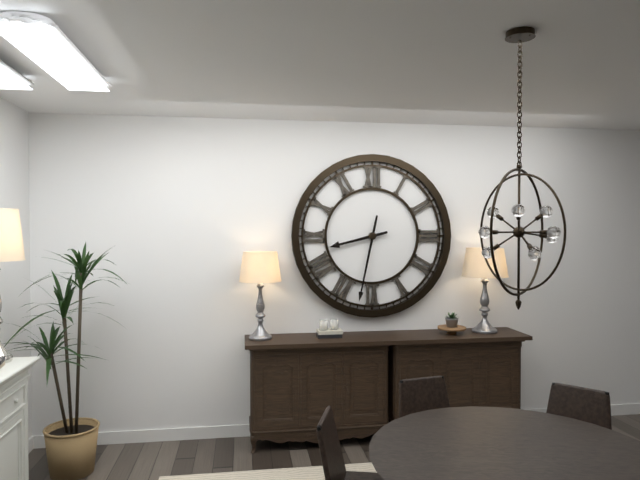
8:32
